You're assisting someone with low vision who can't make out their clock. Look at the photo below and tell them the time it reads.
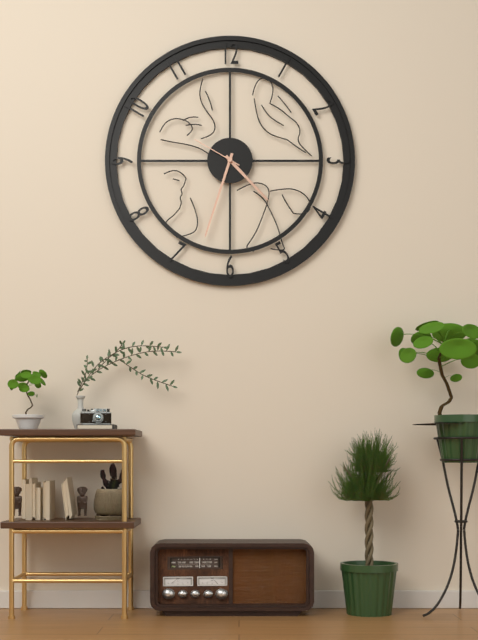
4:33:50
